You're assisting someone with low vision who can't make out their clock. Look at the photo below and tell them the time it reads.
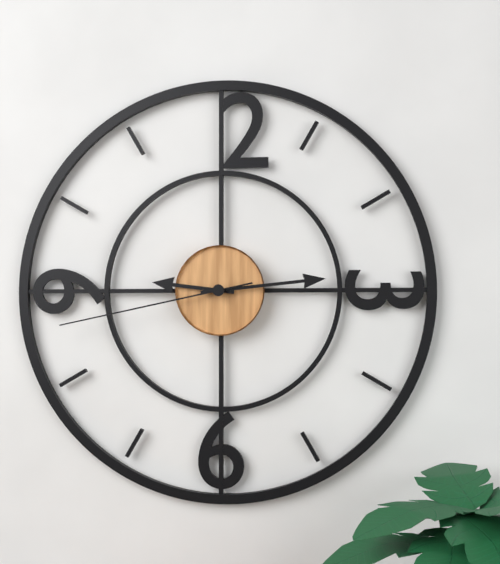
9:14:43
